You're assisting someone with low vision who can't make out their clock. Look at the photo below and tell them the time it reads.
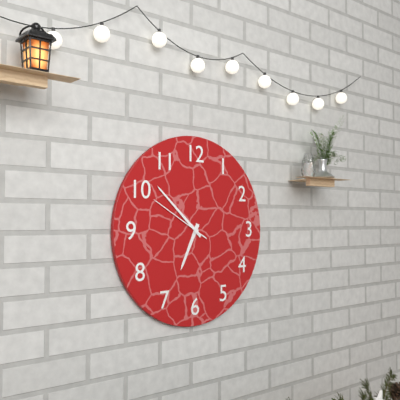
6:52:50
